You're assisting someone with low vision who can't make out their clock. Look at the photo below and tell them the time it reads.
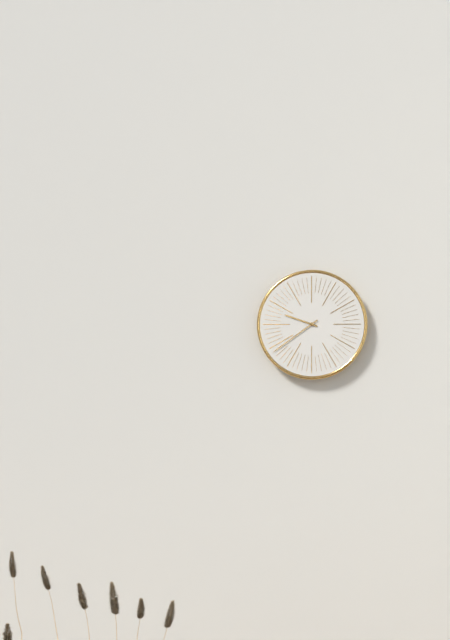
9:39
